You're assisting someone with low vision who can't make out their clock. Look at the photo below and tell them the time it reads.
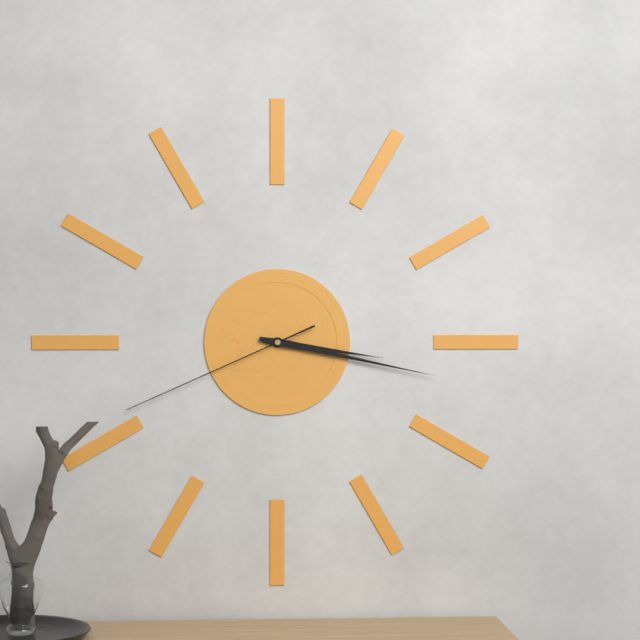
3:17:41
